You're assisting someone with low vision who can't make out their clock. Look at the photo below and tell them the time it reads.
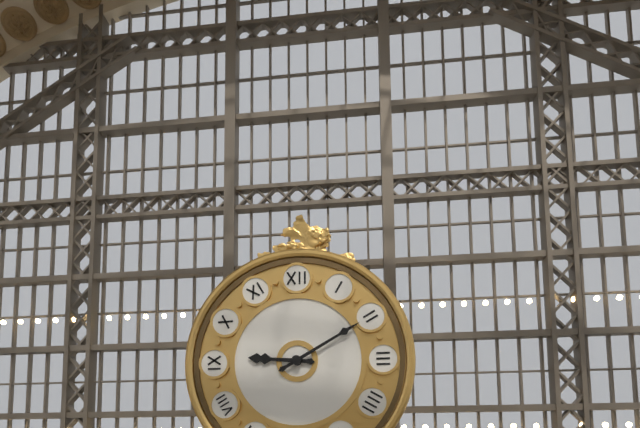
9:10
